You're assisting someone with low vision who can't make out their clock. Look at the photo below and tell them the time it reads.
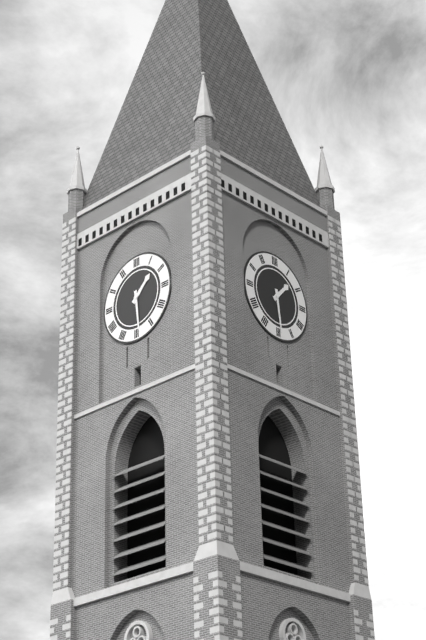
1:29
